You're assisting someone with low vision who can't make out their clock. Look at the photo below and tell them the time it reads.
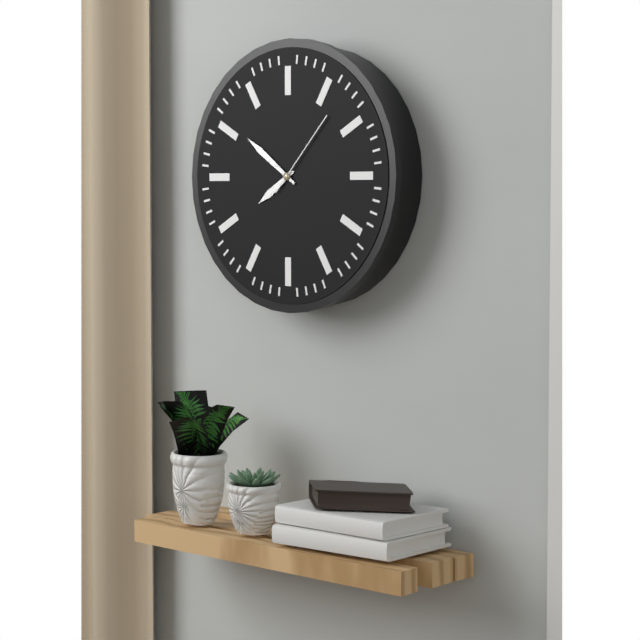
7:51:07
